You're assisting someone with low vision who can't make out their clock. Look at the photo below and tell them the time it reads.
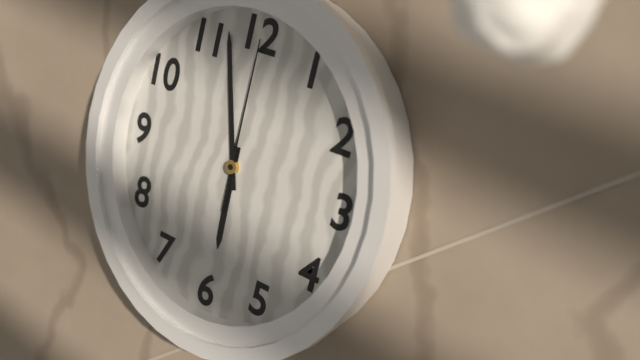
5:57:00
